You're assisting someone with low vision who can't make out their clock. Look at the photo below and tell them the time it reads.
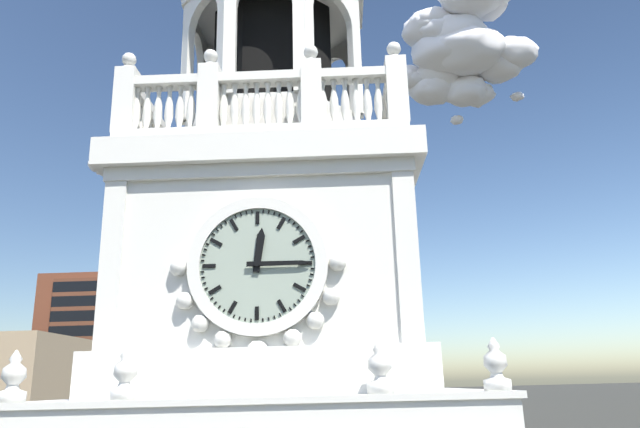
12:15
